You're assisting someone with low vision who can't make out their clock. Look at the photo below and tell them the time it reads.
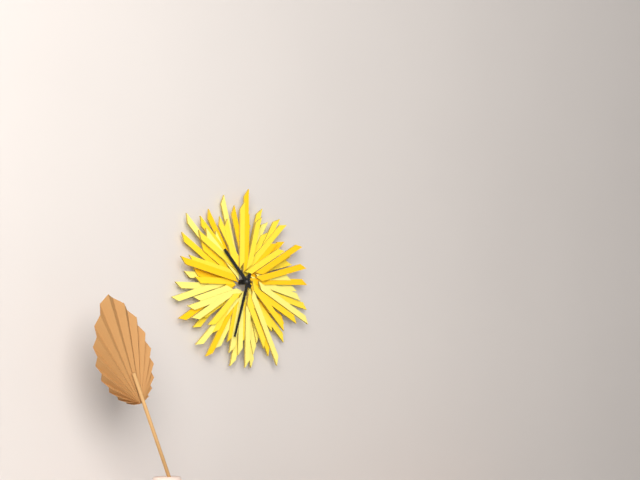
10:33
